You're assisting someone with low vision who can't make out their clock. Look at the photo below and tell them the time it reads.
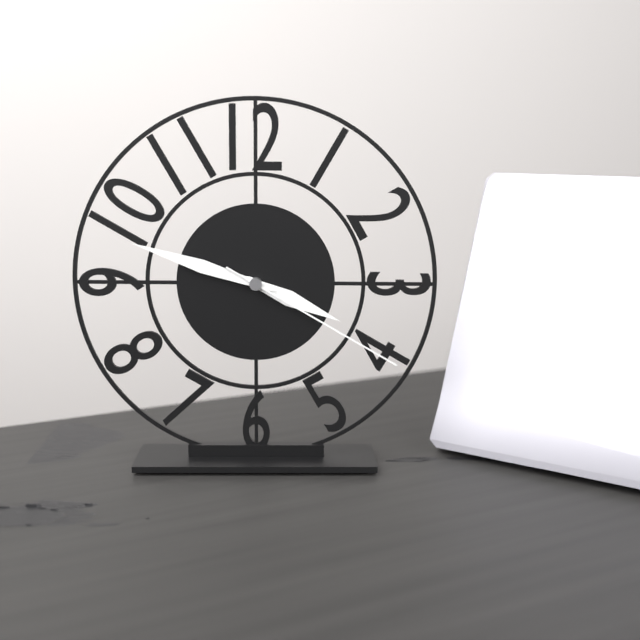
3:48:20
